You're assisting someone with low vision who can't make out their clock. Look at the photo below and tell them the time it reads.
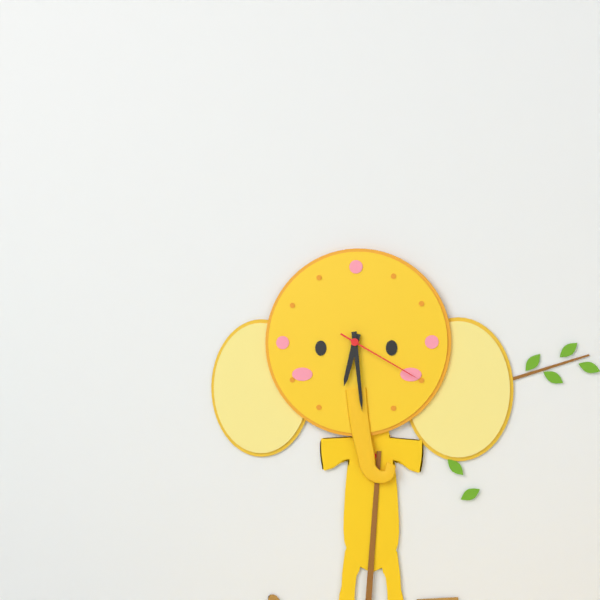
6:29:20
